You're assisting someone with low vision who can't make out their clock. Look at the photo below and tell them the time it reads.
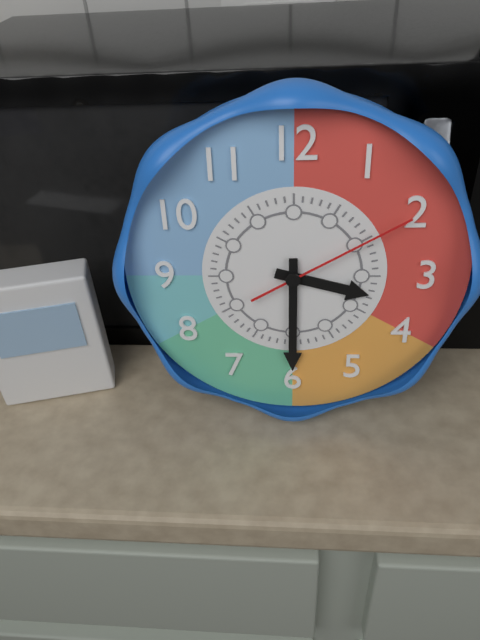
3:30:10
